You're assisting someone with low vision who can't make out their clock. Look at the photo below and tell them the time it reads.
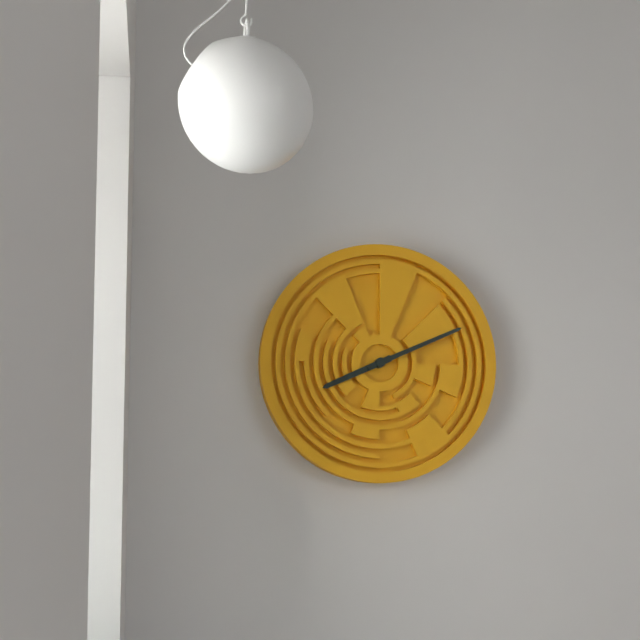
8:11
